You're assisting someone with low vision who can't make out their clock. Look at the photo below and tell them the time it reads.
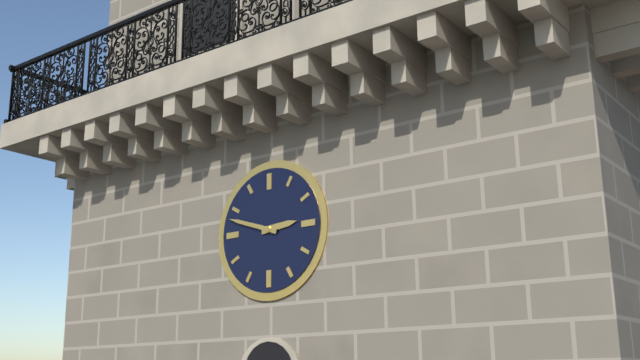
2:48
